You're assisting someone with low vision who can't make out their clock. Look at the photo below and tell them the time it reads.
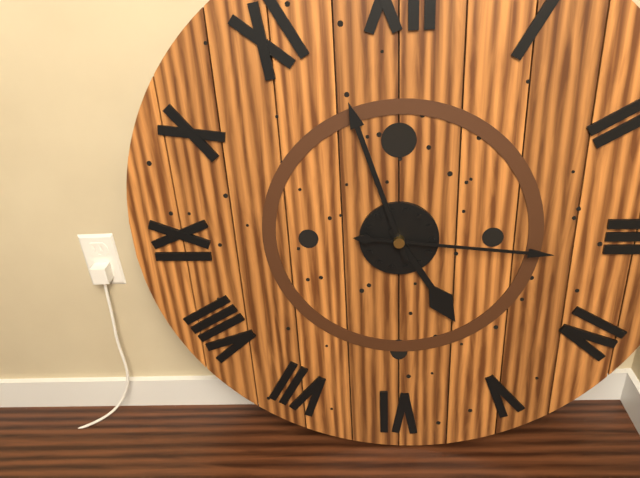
4:57:16
